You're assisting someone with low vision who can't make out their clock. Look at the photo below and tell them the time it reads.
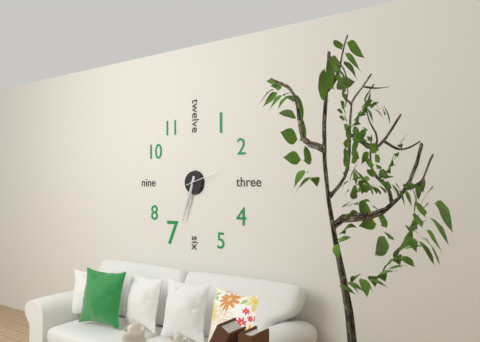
6:33
